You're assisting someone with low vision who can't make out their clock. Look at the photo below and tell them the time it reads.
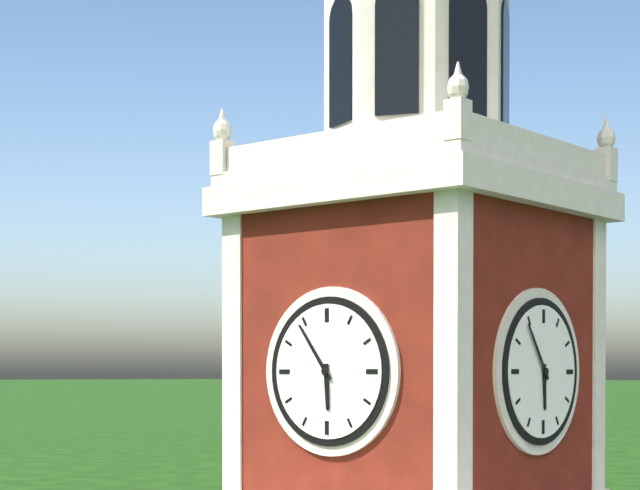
5:54
